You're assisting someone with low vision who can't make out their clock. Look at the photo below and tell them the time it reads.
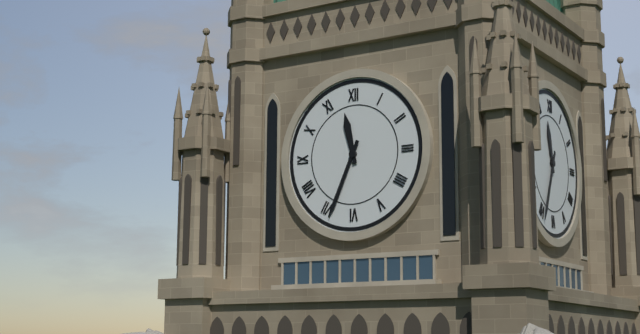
11:34
